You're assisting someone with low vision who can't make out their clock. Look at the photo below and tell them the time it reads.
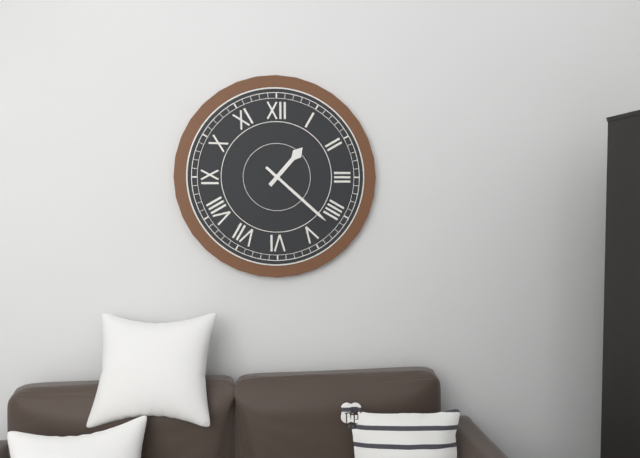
1:22
